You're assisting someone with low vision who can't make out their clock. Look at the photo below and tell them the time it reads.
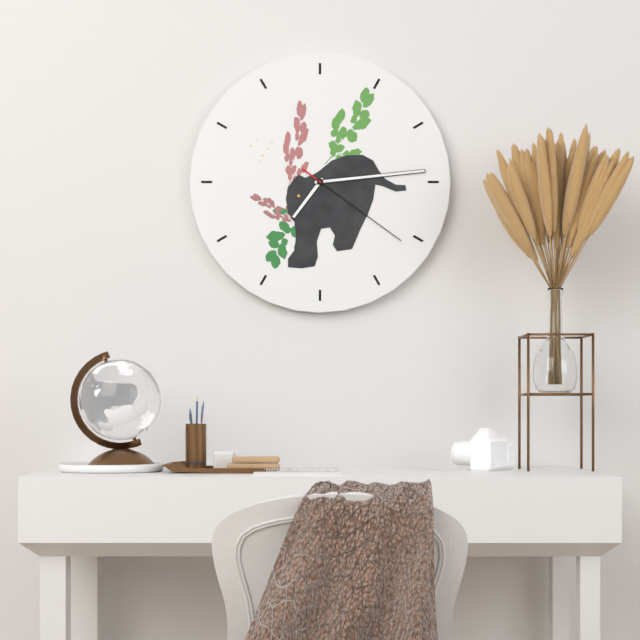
7:14:21
